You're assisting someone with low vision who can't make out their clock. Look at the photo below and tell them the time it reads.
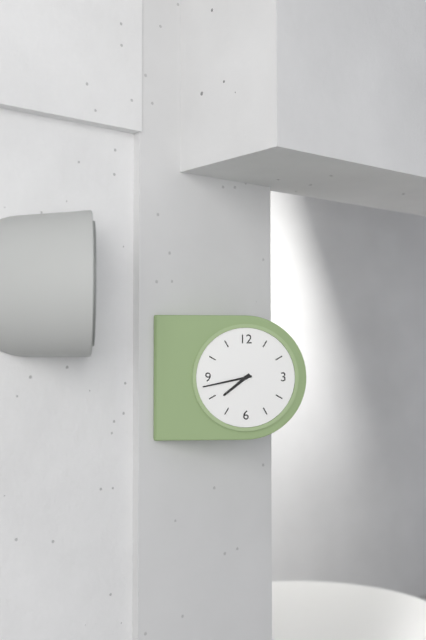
7:43
